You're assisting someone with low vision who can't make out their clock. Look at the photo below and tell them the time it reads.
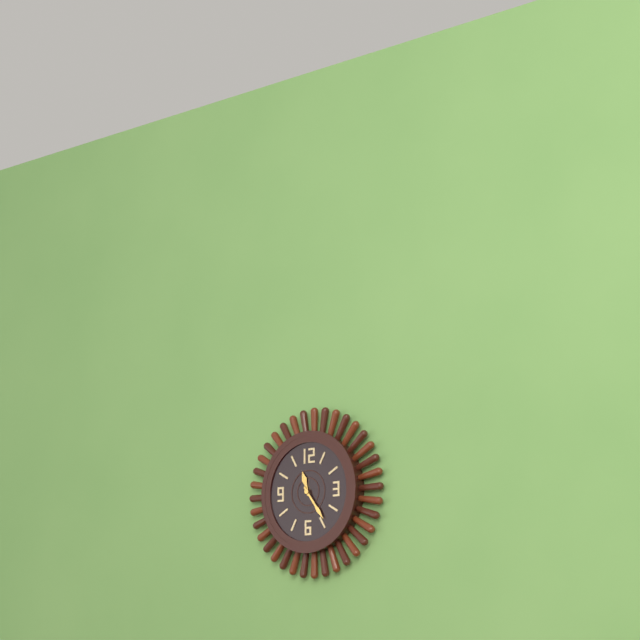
11:24
